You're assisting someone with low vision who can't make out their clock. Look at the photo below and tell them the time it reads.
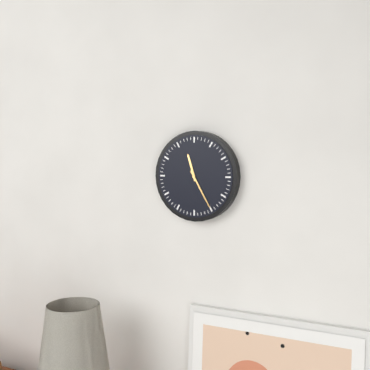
11:25
